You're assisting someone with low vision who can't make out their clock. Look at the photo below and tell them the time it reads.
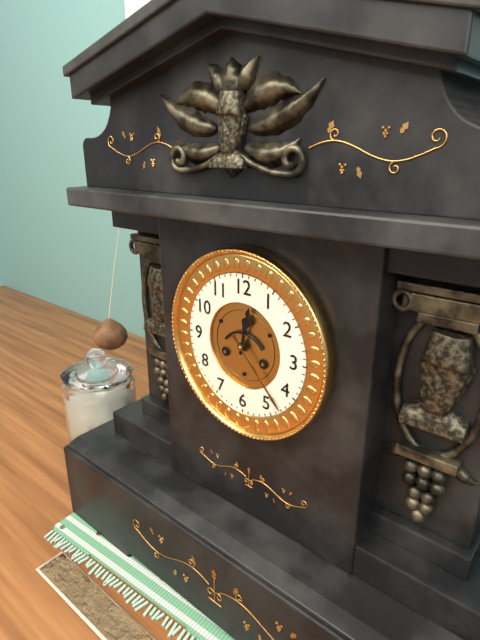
12:23
